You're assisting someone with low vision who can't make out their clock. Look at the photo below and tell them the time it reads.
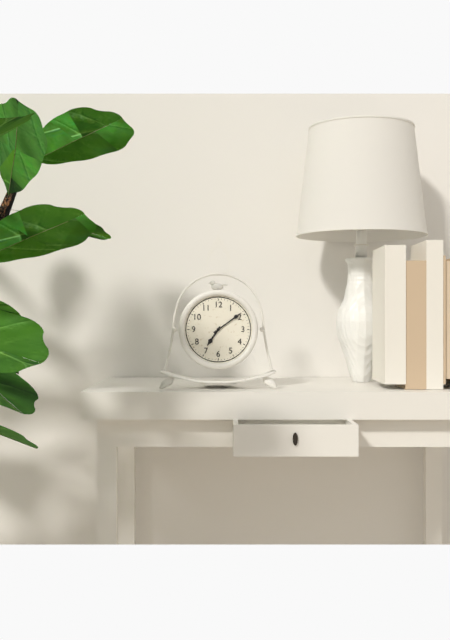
7:09
